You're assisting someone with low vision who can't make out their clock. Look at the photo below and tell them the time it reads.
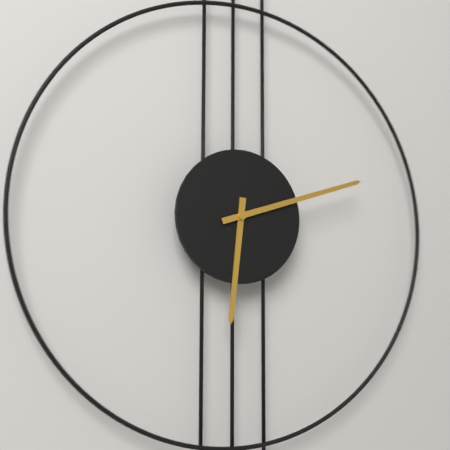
6:12
